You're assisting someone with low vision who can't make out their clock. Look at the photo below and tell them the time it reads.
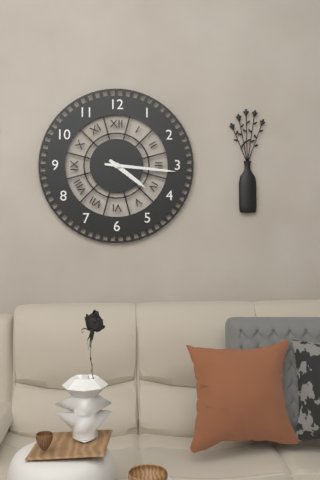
4:16
